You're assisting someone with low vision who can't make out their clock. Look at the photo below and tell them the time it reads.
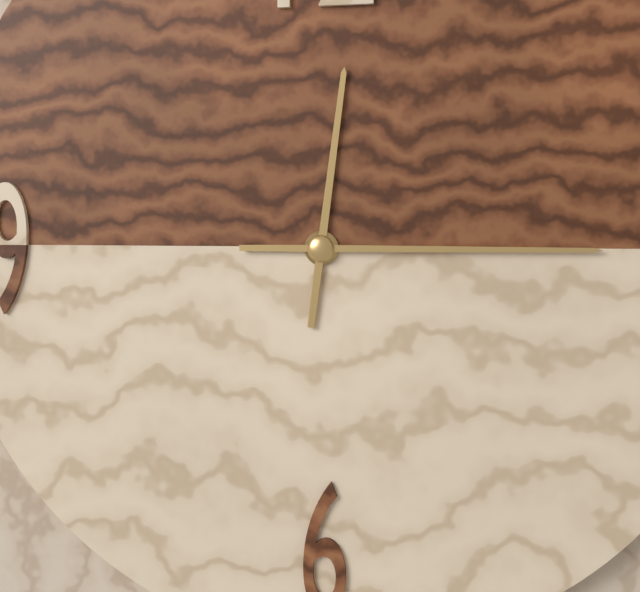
12:15
